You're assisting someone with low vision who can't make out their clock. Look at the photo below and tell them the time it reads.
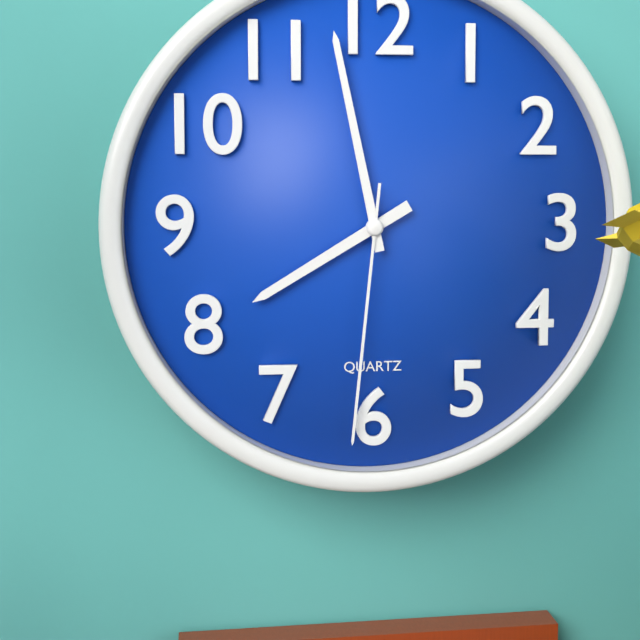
7:58:31
